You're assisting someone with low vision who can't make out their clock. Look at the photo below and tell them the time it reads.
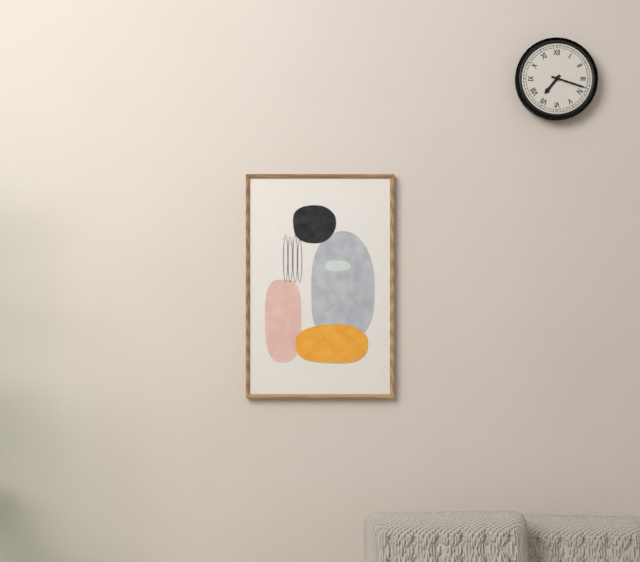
7:18
